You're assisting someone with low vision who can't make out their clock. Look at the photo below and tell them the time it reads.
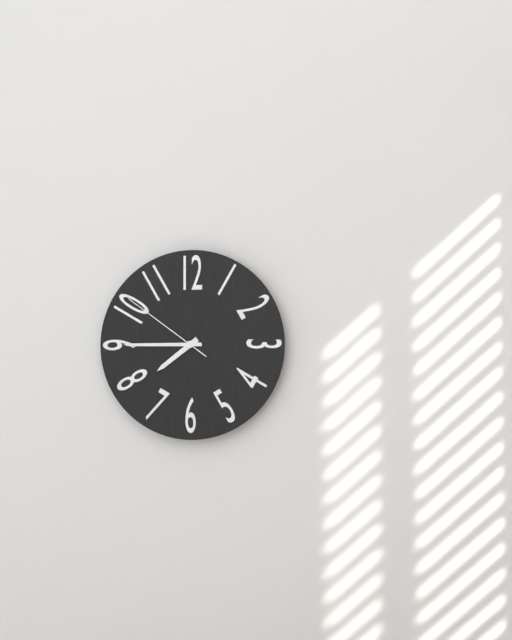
7:45:51
